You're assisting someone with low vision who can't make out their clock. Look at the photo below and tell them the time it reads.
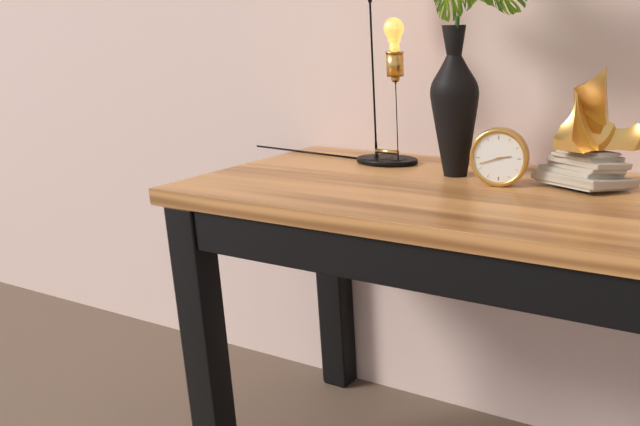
2:42
